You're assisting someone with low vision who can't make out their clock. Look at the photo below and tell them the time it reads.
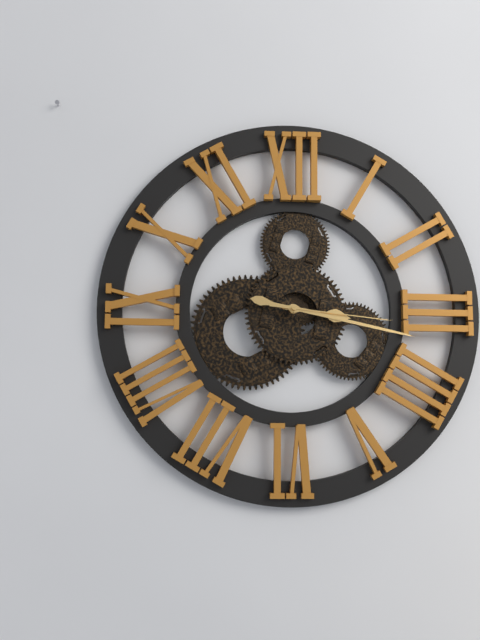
3:17:16
